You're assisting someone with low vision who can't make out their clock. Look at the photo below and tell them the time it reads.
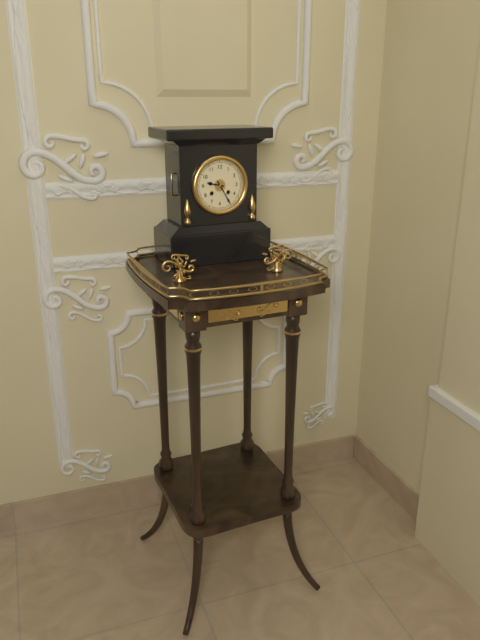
9:25
